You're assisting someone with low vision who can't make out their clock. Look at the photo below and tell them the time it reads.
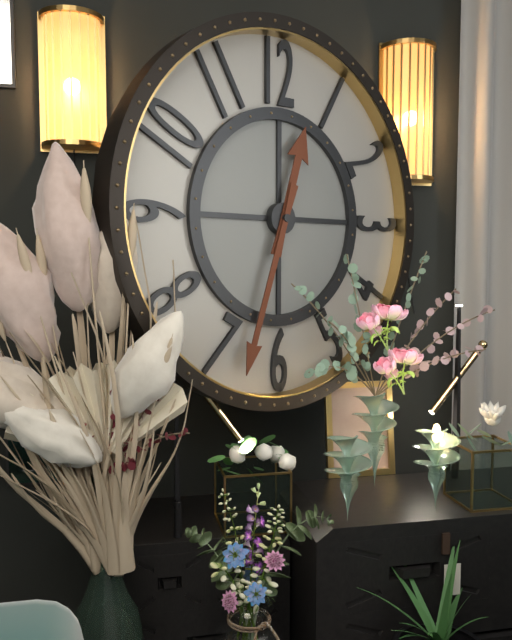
12:33
